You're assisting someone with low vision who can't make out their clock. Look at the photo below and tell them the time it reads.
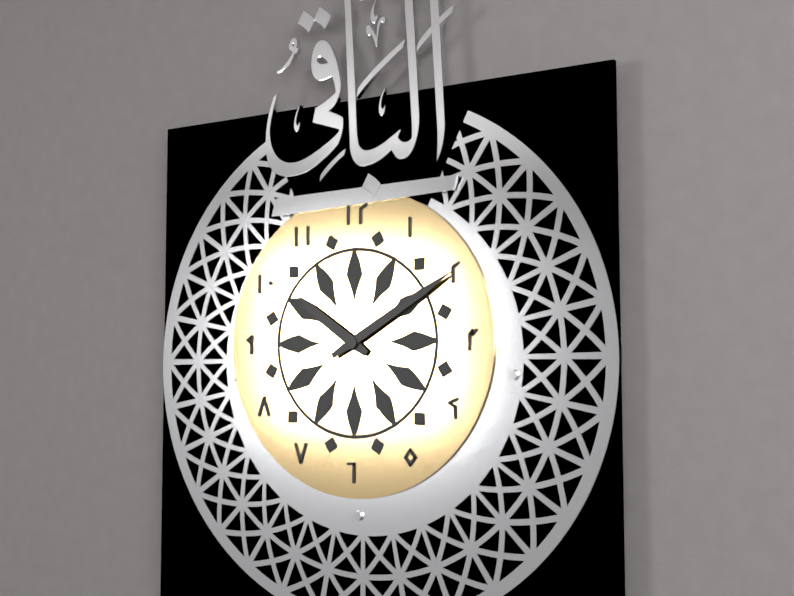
10:10
